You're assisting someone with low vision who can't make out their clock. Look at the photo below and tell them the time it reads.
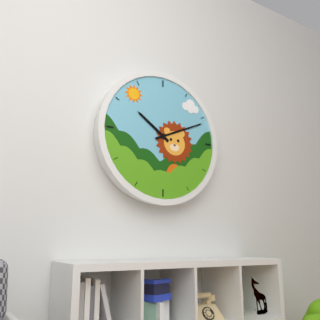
10:11
